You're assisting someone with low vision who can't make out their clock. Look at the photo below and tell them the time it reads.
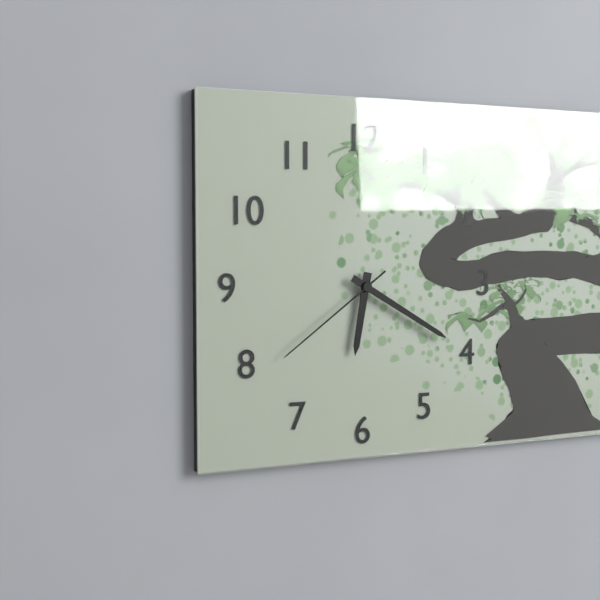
6:20:39
